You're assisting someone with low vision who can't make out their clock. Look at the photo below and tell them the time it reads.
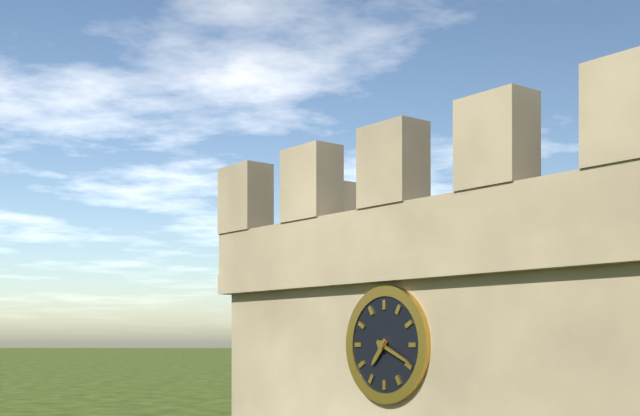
7:19
